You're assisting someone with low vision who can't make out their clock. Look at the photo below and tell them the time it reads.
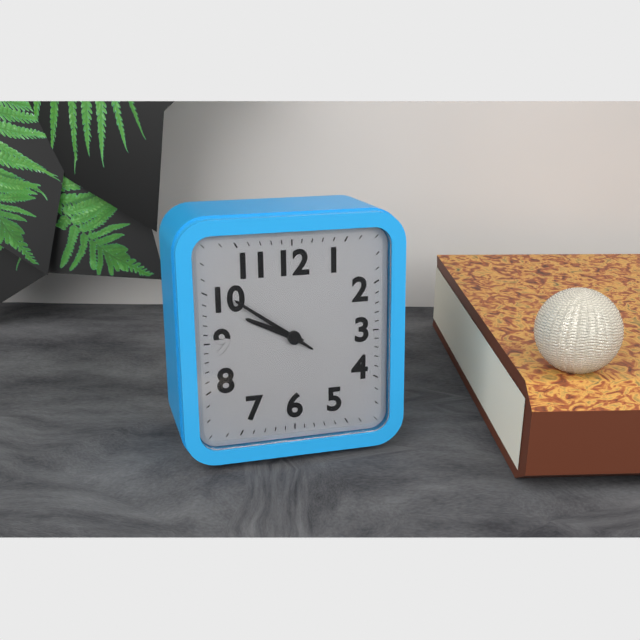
9:51
